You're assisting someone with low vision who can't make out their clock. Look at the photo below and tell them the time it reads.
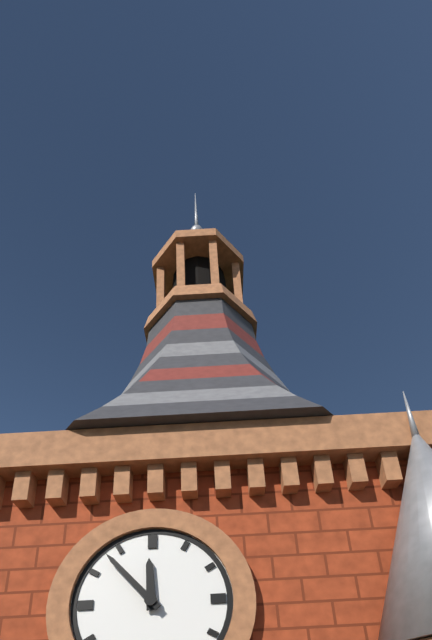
11:53
